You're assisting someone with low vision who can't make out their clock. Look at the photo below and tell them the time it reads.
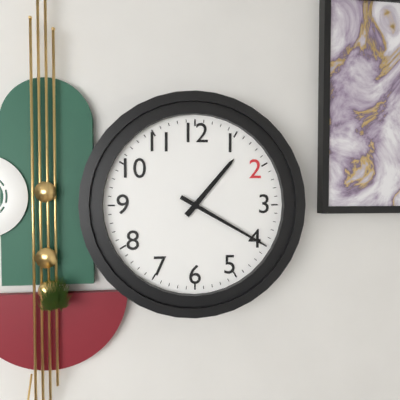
1:20
